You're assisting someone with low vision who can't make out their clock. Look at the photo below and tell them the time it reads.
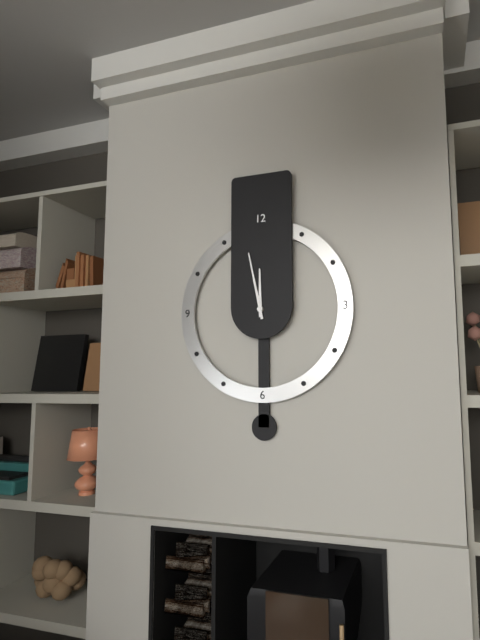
11:58
